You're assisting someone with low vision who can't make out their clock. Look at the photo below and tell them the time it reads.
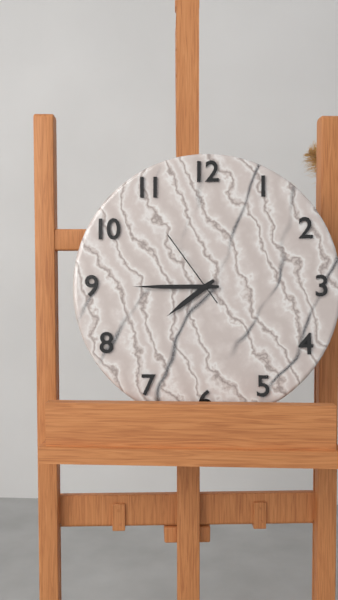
7:45:54
